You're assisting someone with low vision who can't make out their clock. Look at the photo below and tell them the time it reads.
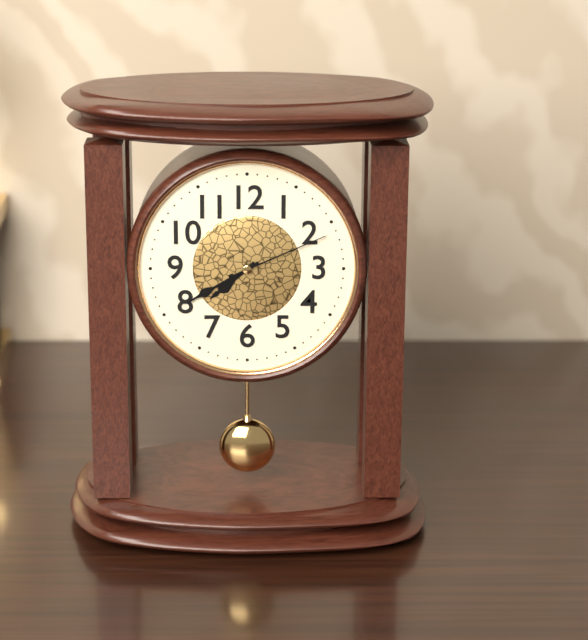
7:40:11
